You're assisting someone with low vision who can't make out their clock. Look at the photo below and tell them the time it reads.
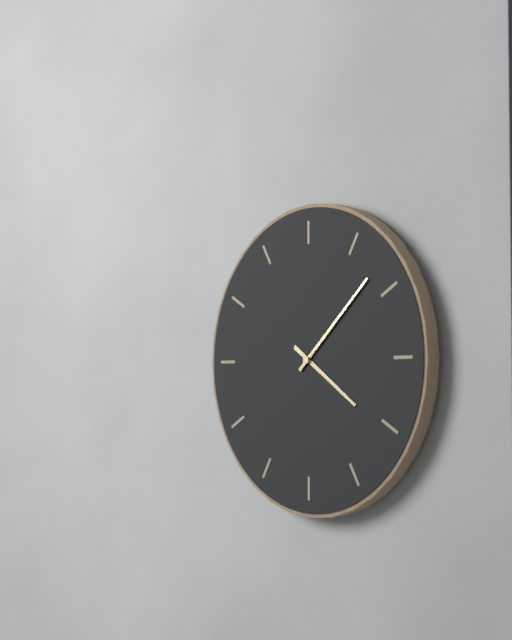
4:08
